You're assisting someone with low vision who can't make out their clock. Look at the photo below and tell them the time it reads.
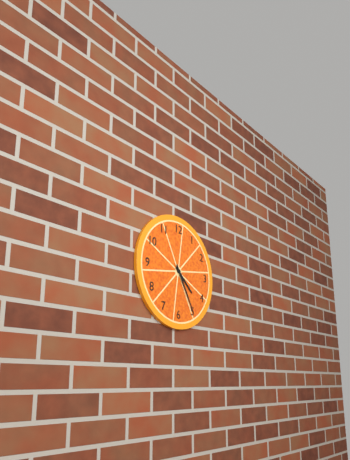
4:25
